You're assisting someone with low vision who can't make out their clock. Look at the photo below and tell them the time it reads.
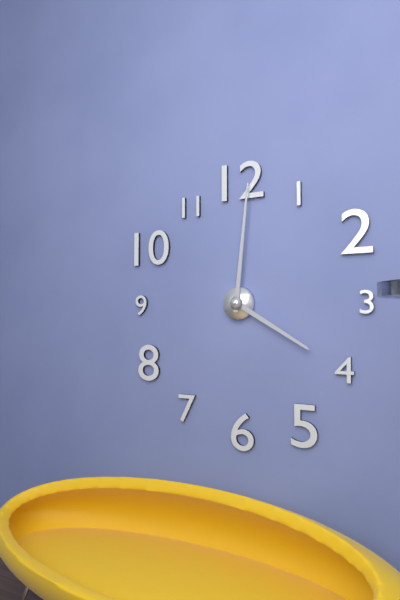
4:01
